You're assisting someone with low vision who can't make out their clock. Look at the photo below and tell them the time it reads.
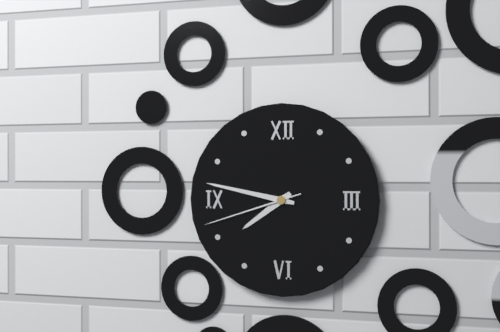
7:47:42
